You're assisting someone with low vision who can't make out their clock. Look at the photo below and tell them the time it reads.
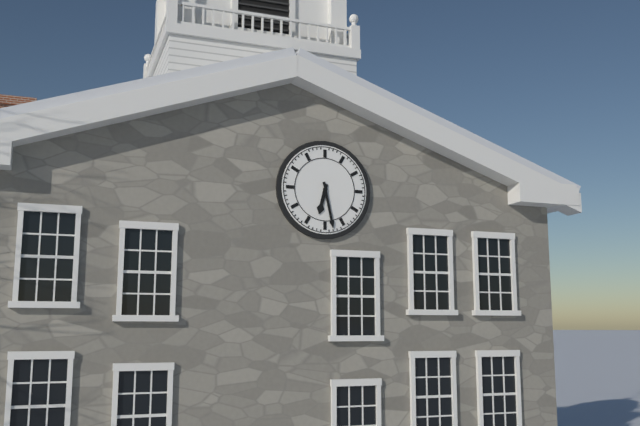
6:28
